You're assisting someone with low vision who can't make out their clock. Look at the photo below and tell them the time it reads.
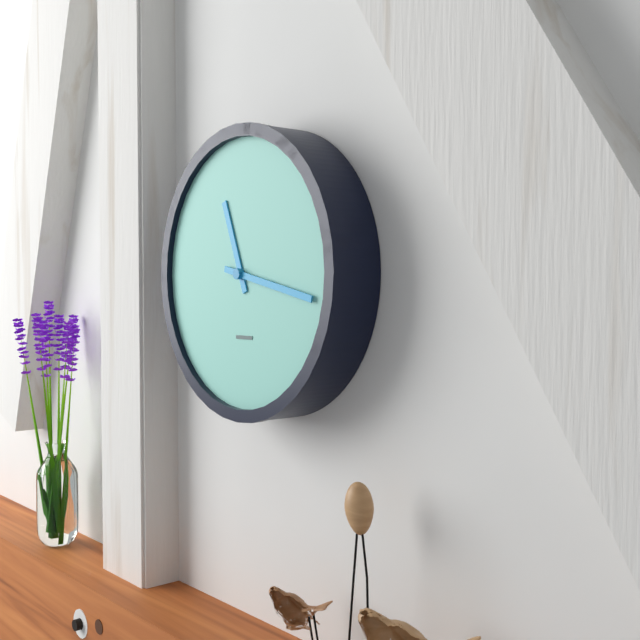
11:17
